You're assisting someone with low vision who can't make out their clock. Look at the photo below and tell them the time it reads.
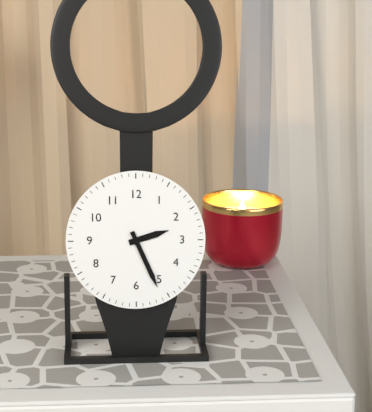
2:26
